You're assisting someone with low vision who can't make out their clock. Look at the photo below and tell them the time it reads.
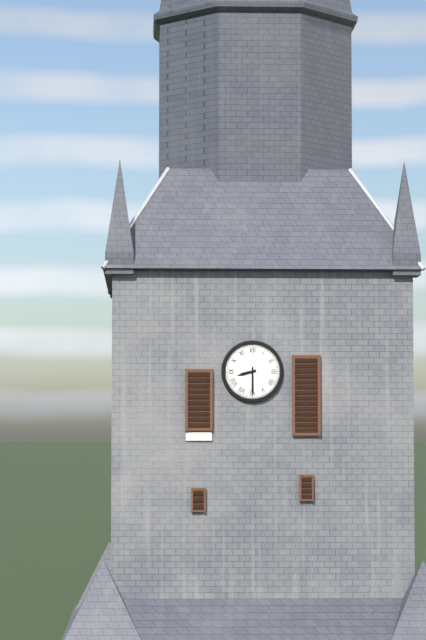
8:30
